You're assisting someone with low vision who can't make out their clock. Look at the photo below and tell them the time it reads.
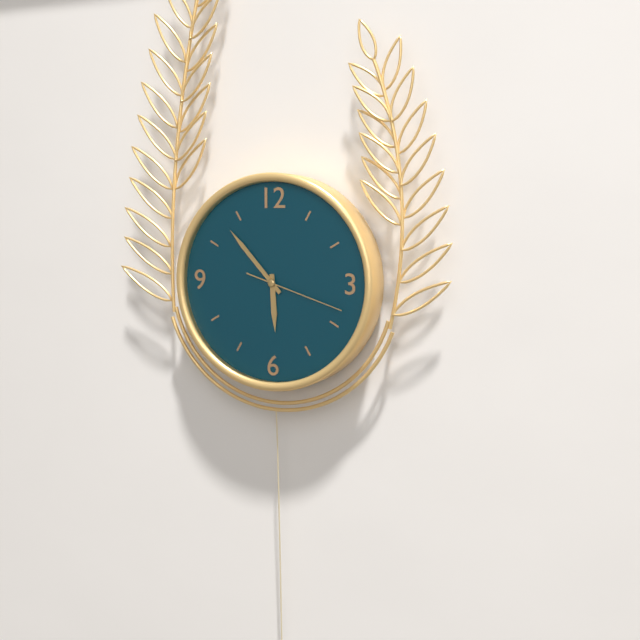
5:53:18
